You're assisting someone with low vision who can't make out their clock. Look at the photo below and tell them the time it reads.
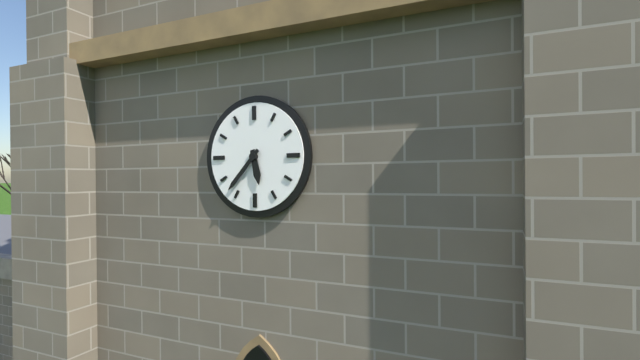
5:37
